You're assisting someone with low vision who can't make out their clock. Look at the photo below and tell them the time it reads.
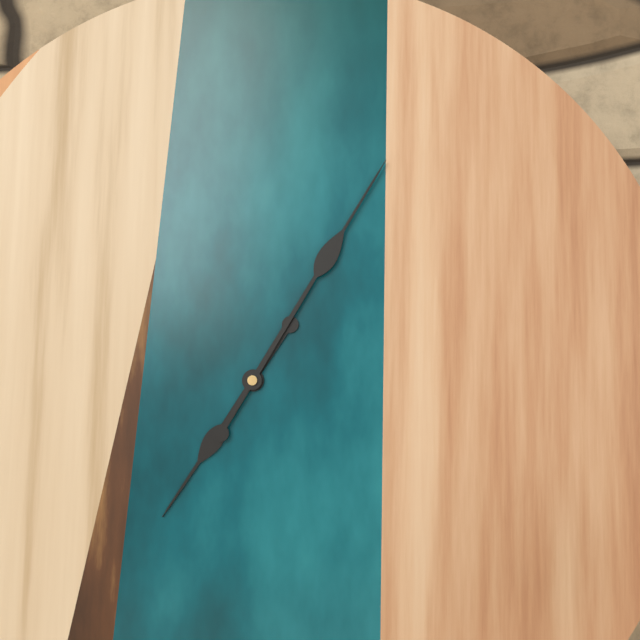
7:05
